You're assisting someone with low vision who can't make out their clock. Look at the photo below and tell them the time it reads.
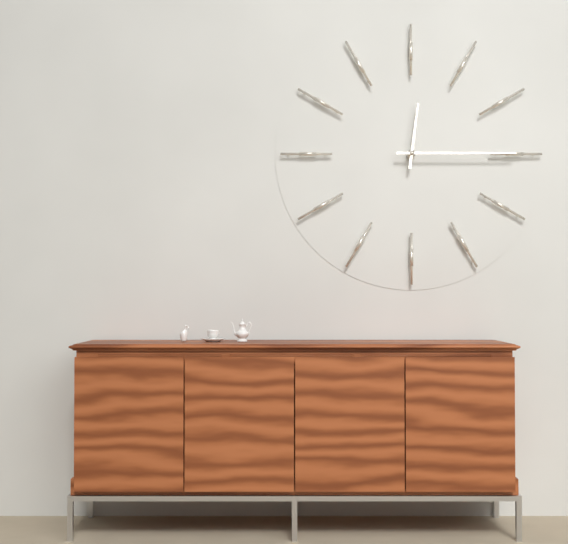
12:15
